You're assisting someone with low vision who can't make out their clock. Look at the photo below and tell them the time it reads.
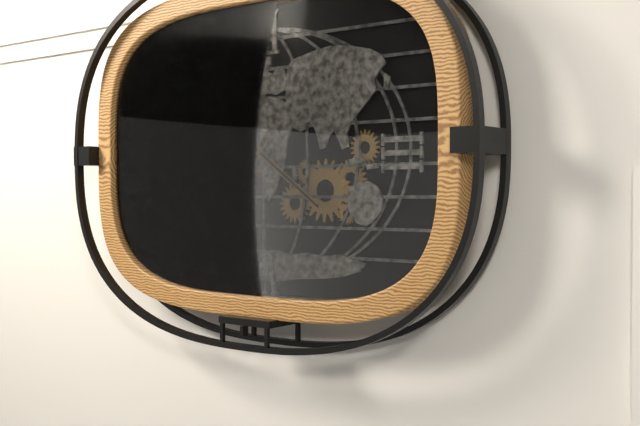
7:21
